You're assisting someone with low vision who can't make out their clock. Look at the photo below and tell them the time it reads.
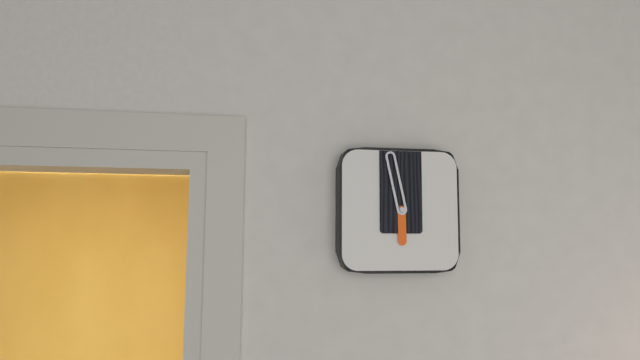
5:58
